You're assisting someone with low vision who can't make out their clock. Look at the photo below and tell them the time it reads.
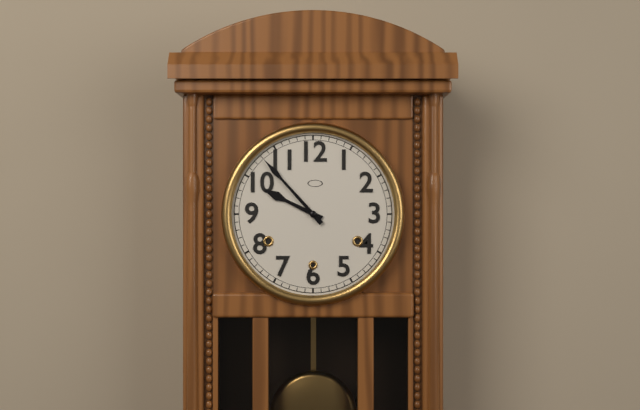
9:53
